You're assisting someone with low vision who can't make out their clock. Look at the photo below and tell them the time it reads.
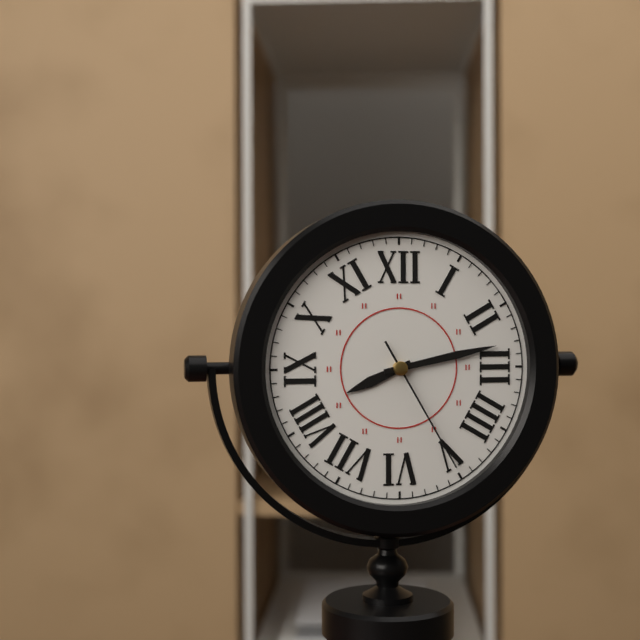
8:13:25
